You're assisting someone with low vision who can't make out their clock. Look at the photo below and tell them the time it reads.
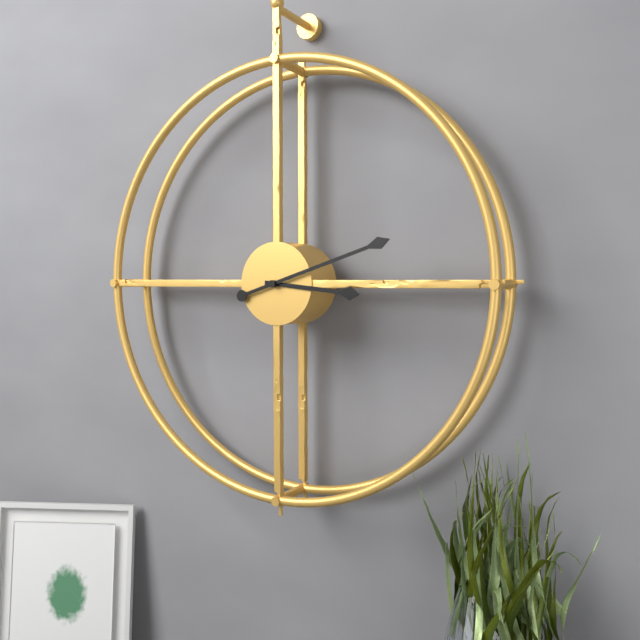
3:12
